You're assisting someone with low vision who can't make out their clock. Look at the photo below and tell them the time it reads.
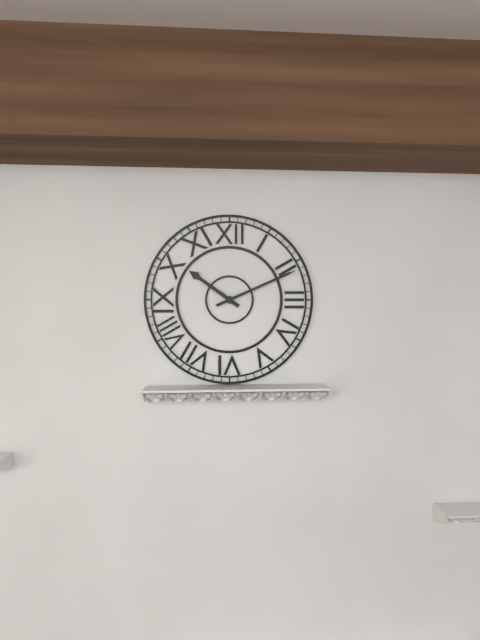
10:11
